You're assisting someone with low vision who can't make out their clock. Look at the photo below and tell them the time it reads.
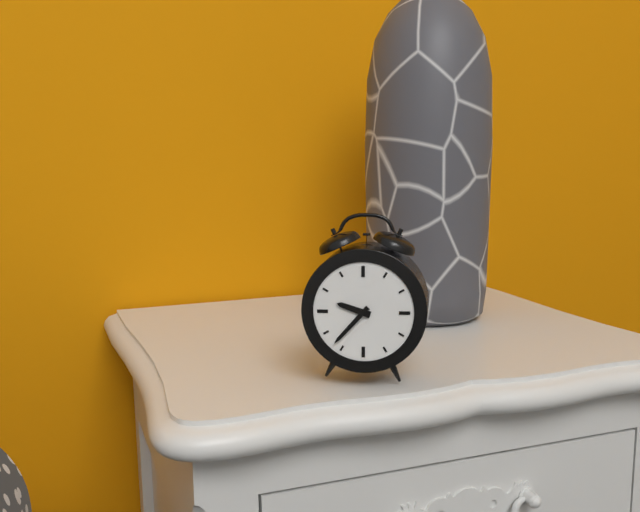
9:37
